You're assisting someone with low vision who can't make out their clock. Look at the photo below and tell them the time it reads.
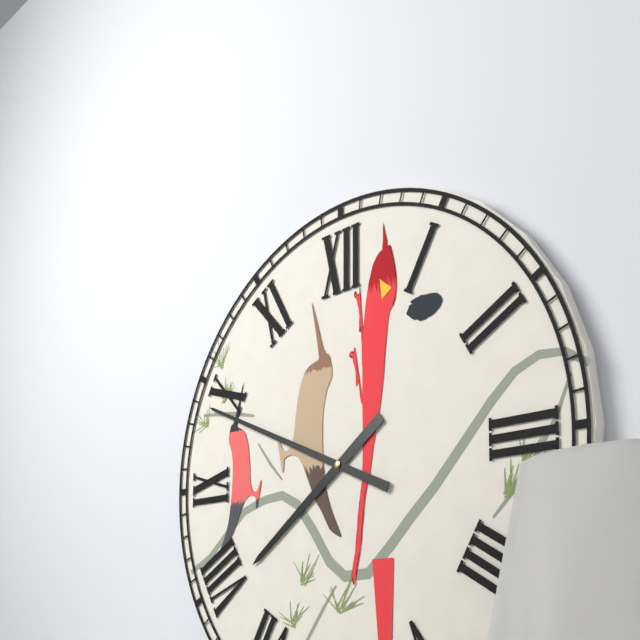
7:49
